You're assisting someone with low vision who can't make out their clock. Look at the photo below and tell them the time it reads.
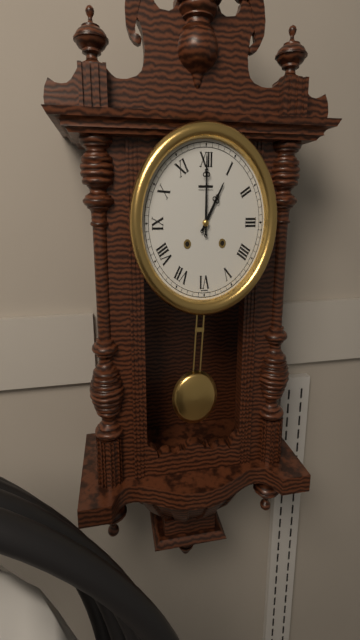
1:00
